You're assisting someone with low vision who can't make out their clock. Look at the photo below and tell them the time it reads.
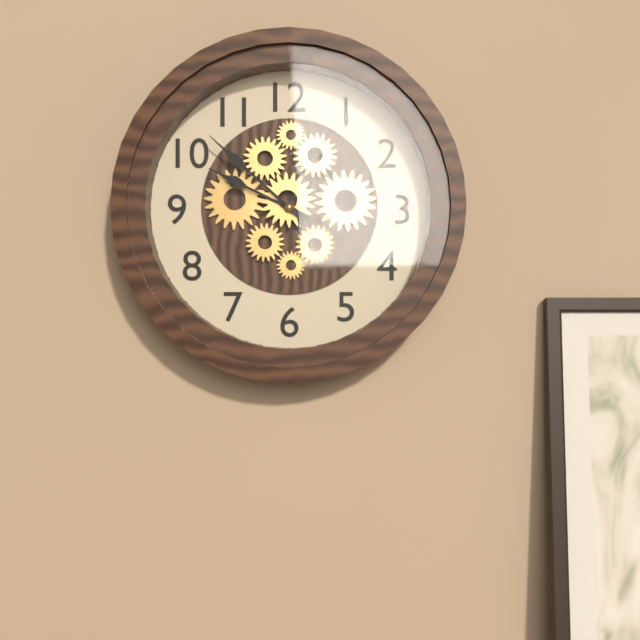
9:52
